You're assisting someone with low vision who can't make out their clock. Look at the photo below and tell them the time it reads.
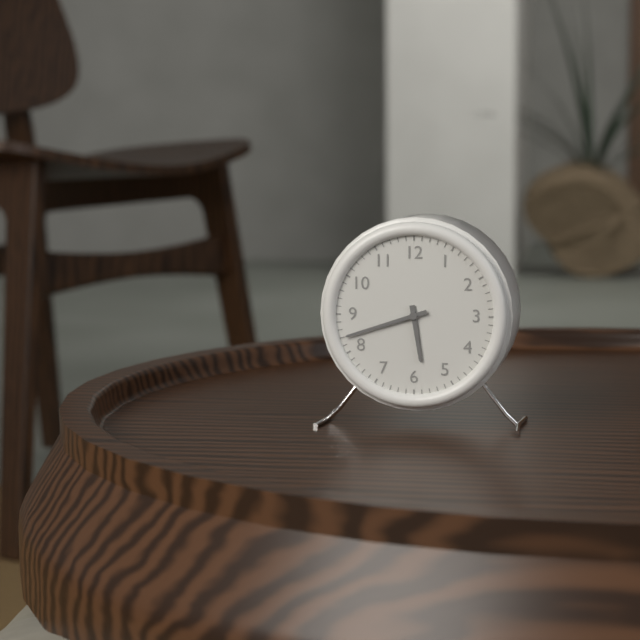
5:42
